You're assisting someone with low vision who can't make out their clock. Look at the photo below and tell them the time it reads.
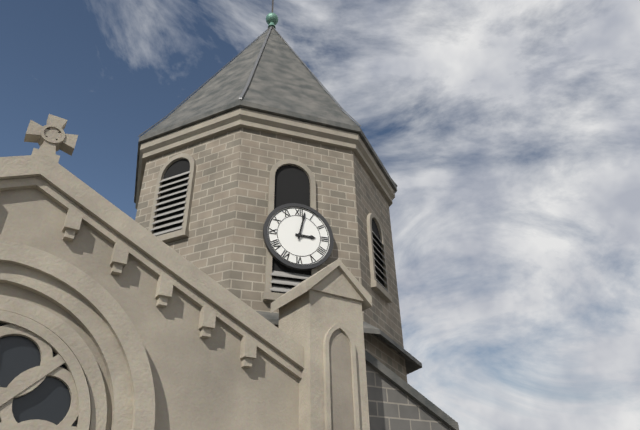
3:02
